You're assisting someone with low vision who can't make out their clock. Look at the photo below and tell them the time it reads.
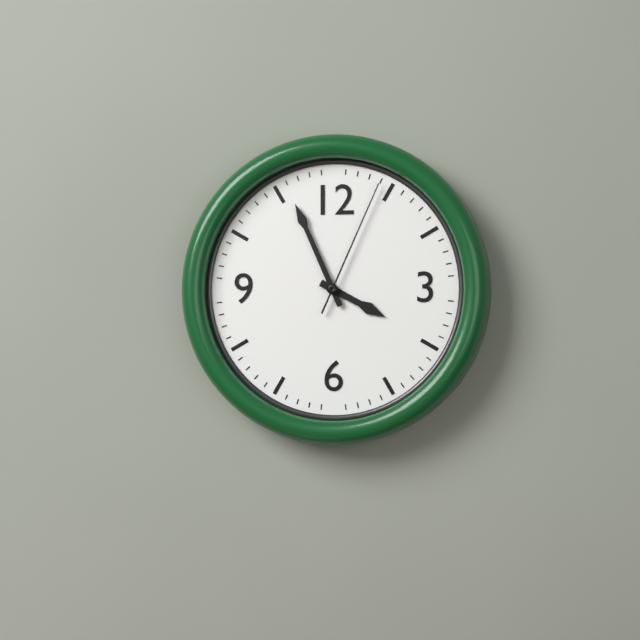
3:56:04
